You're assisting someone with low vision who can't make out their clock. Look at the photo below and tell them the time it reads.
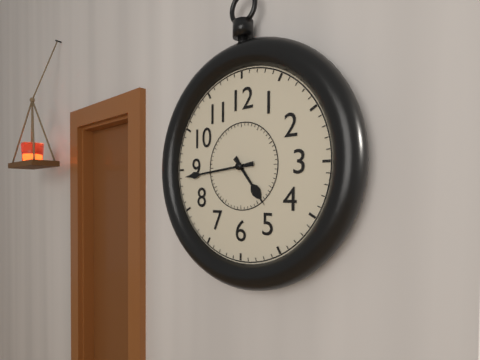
4:44
